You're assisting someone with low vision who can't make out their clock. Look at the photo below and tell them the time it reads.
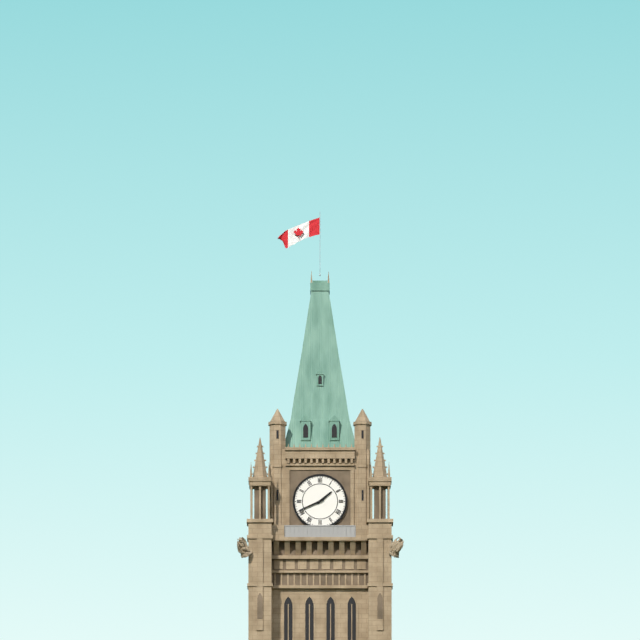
1:41
